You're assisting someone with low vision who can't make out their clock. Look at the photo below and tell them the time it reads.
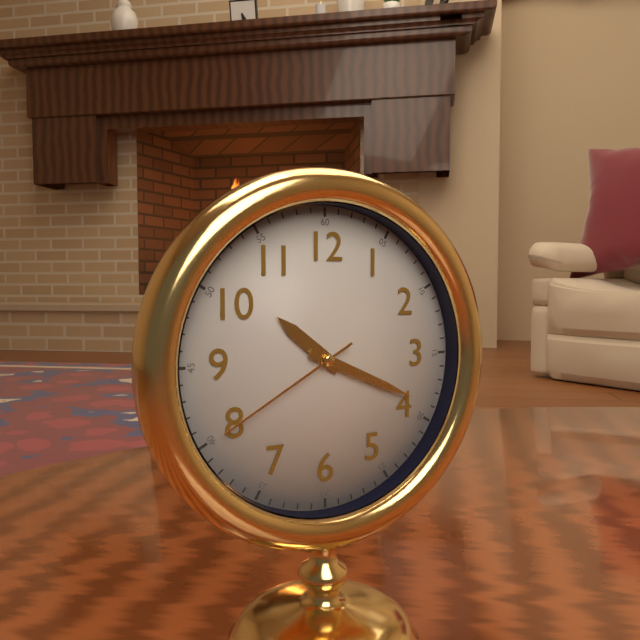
10:19:40
